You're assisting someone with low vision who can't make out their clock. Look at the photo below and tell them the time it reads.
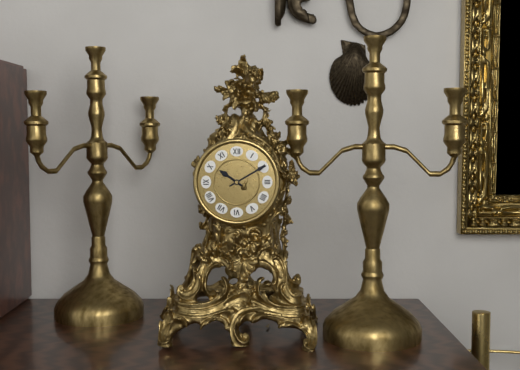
10:10
